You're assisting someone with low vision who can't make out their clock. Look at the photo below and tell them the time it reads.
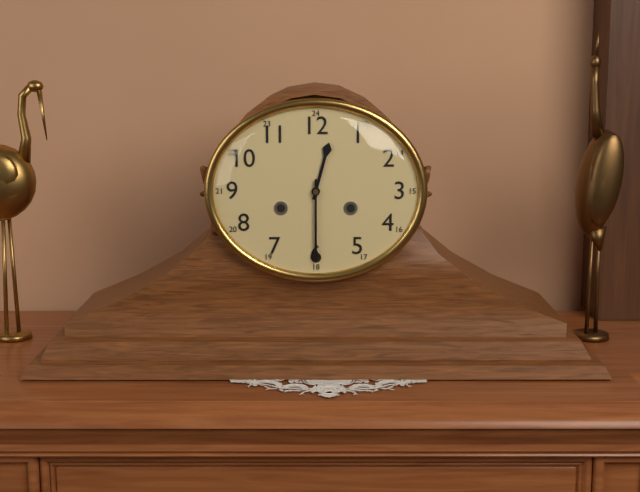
12:30
